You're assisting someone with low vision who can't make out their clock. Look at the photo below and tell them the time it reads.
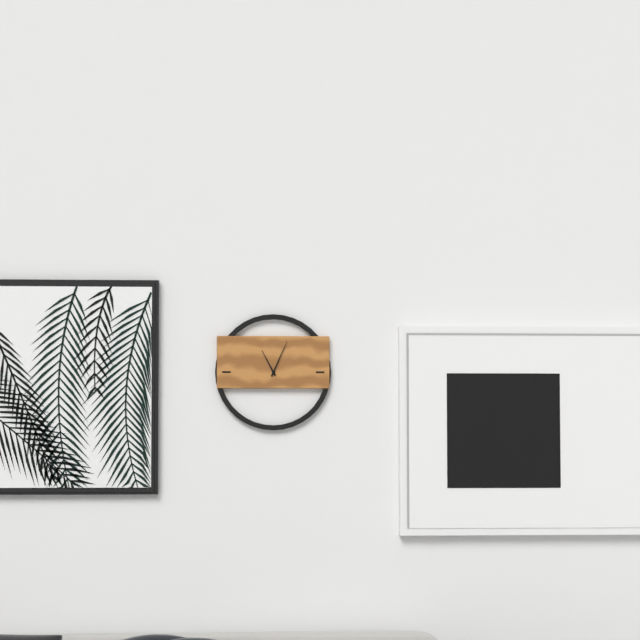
11:04
